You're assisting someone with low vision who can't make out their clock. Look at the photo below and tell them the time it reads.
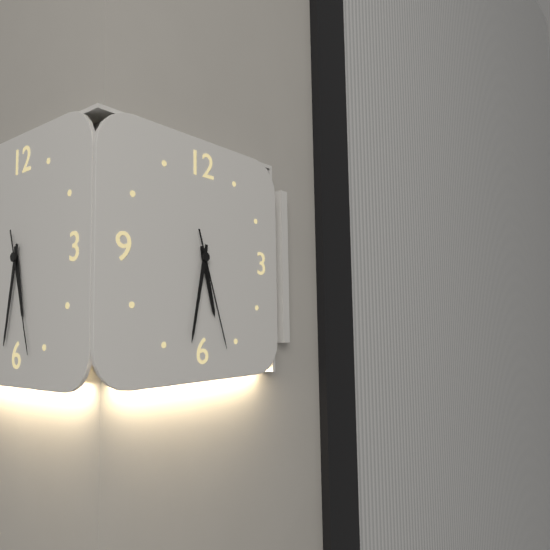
5:32:27
